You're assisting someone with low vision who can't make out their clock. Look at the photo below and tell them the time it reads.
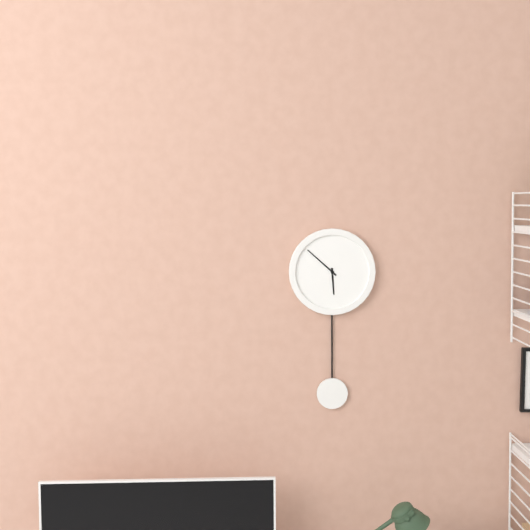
5:52
